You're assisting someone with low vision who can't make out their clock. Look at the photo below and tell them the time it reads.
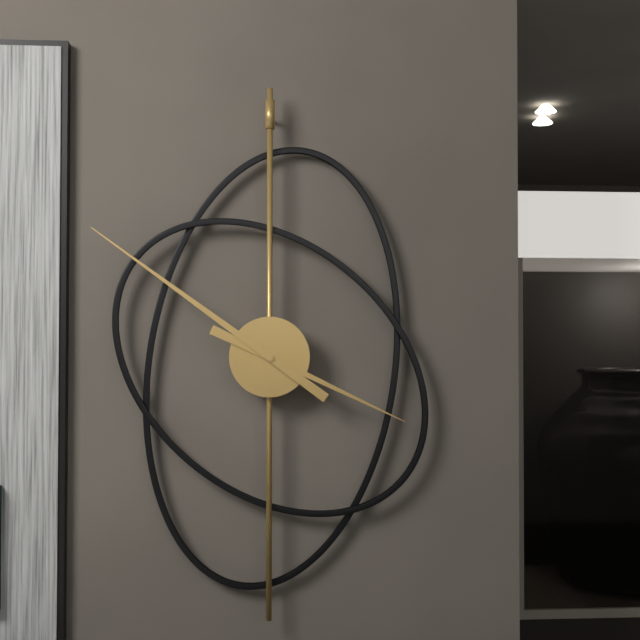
3:51
